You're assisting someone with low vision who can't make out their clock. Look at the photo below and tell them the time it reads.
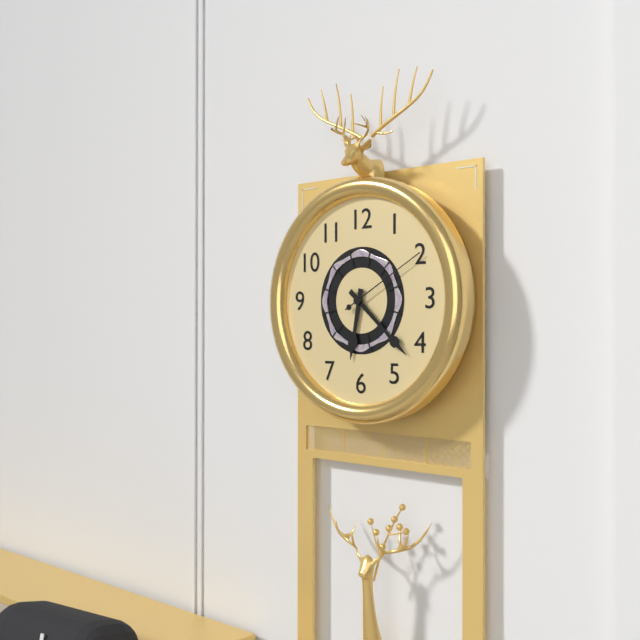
6:22:10
